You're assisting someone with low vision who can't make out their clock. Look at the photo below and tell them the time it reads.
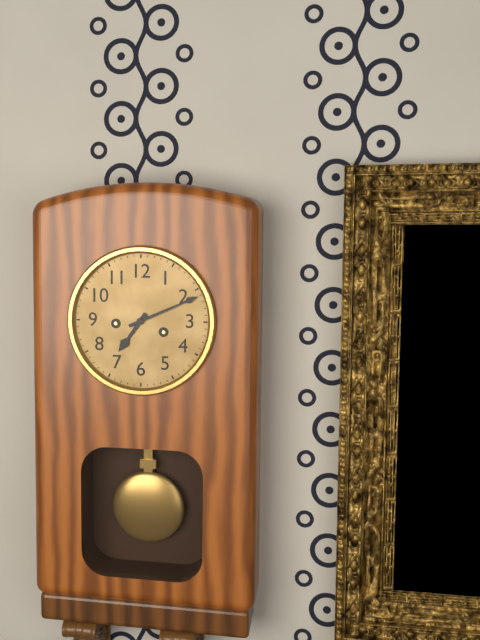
7:11
